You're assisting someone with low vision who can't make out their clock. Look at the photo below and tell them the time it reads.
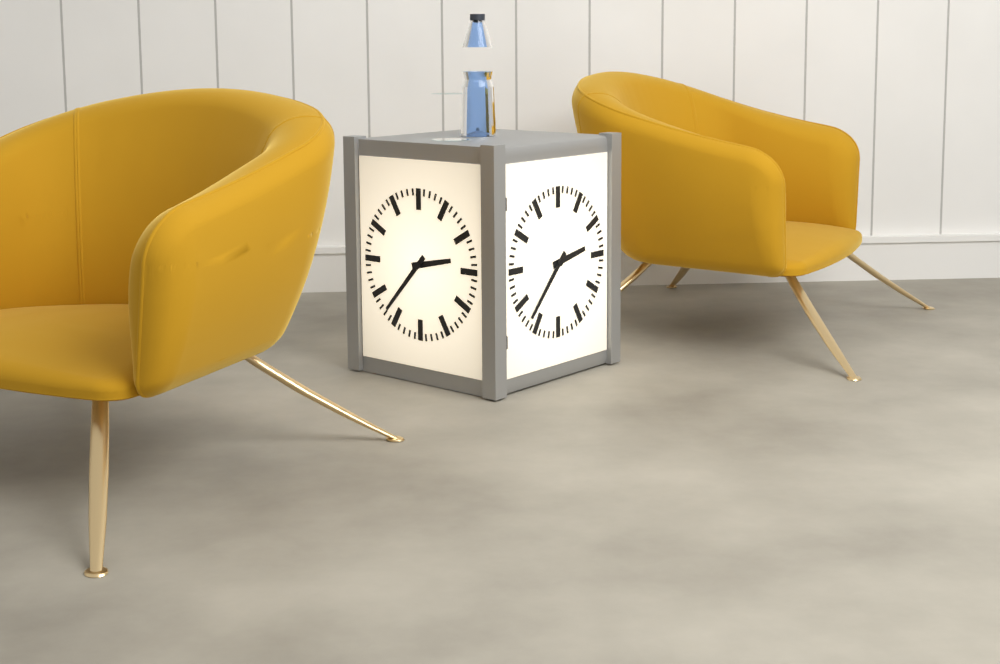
2:37
